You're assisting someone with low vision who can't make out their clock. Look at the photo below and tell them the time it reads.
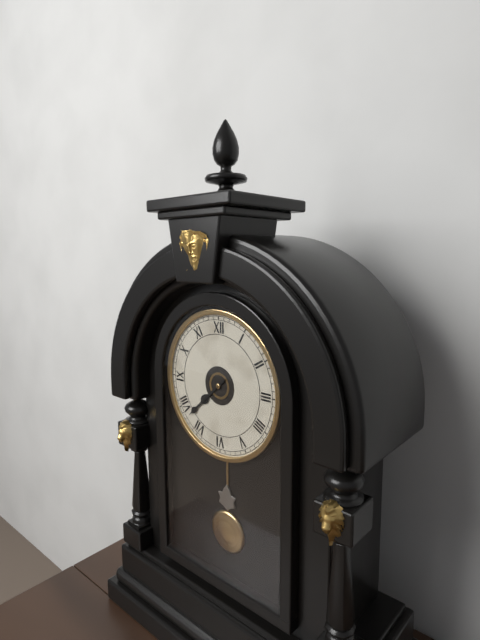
7:38
